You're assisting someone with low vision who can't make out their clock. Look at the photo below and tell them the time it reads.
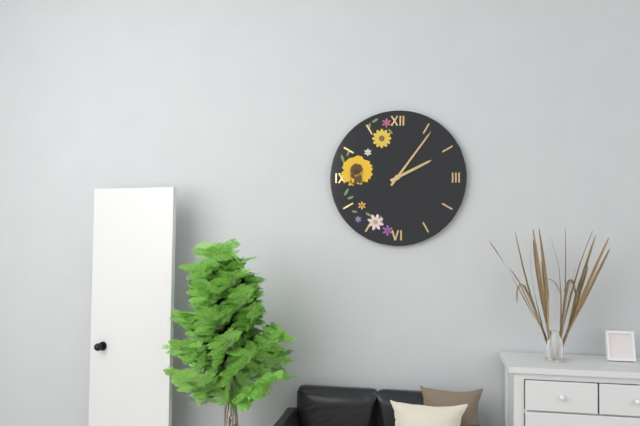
2:06
